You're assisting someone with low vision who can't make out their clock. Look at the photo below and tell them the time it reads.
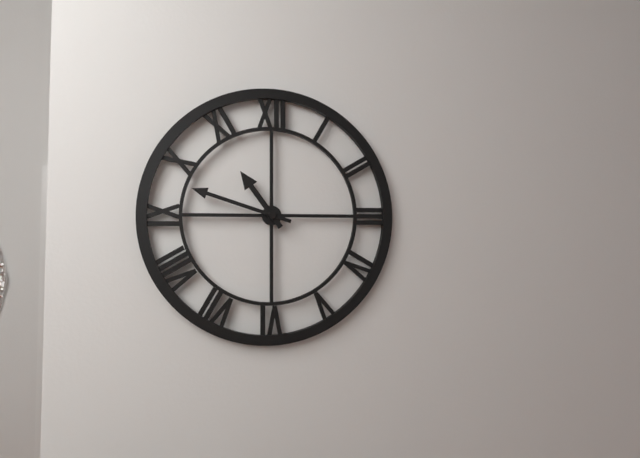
10:48
